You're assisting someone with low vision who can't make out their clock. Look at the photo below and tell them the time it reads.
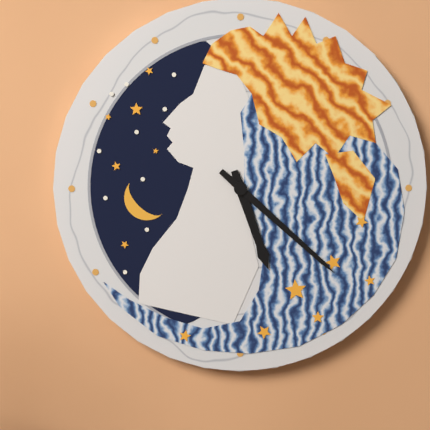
5:22
